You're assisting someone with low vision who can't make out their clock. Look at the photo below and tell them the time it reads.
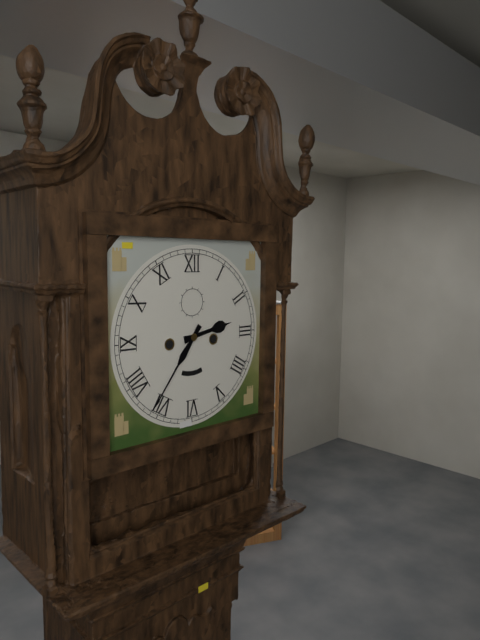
2:36
